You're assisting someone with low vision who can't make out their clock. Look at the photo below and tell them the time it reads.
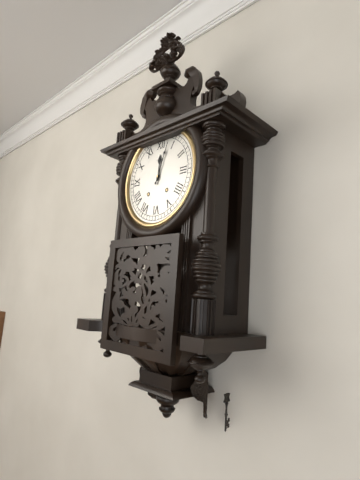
12:03
